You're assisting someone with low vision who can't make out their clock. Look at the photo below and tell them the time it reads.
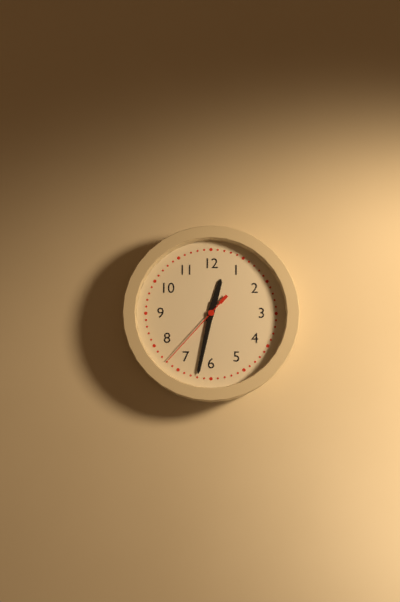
12:32:37
